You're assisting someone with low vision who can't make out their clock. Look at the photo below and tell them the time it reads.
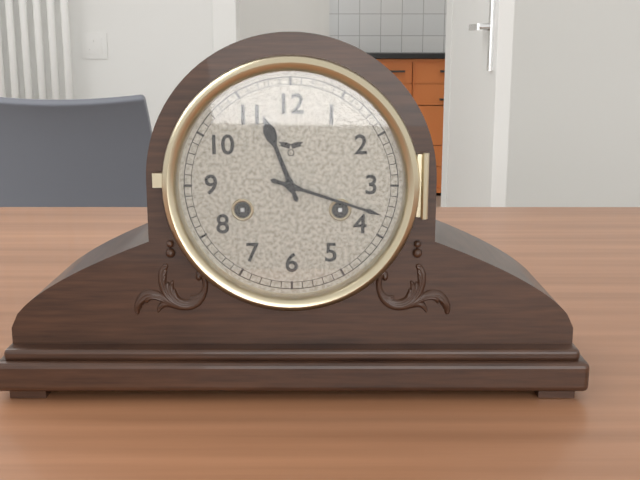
11:18
